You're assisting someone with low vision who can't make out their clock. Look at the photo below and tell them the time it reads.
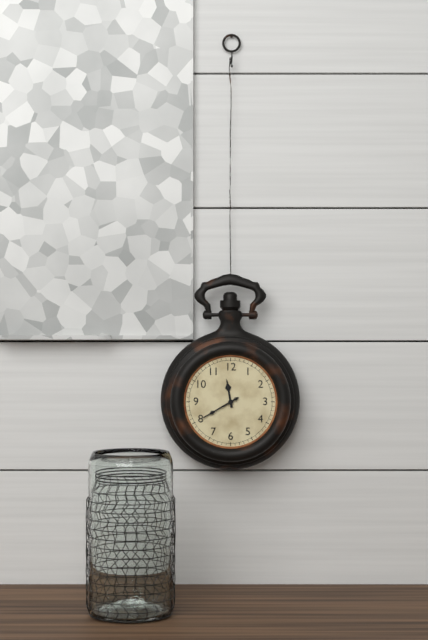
11:40
